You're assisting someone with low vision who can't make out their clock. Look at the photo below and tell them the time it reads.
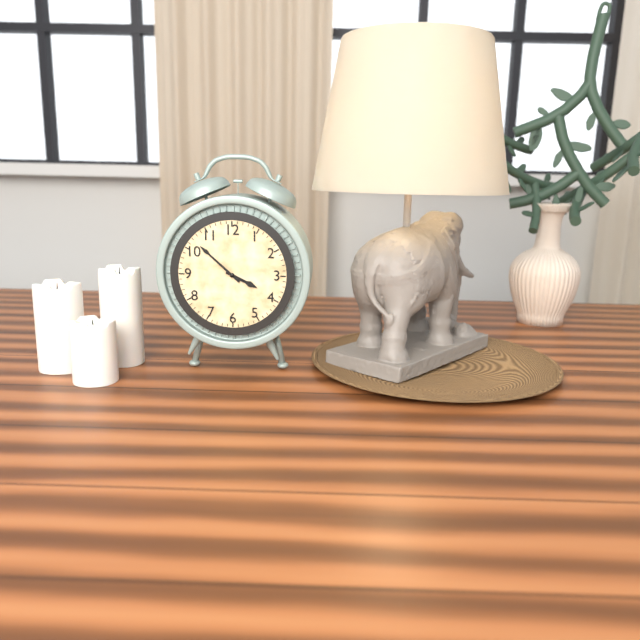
3:52
